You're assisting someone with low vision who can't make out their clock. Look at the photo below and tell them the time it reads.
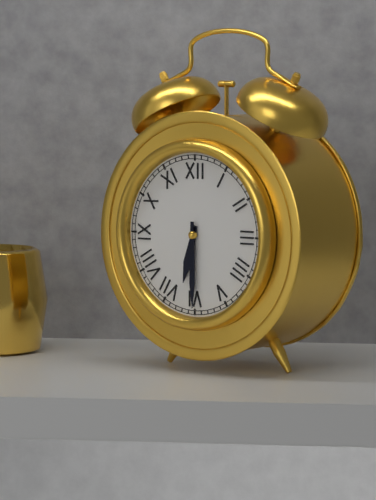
6:30
